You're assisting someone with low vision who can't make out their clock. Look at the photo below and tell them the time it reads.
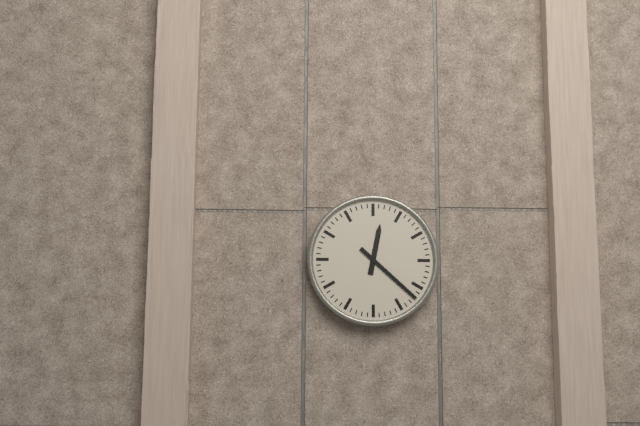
12:22
